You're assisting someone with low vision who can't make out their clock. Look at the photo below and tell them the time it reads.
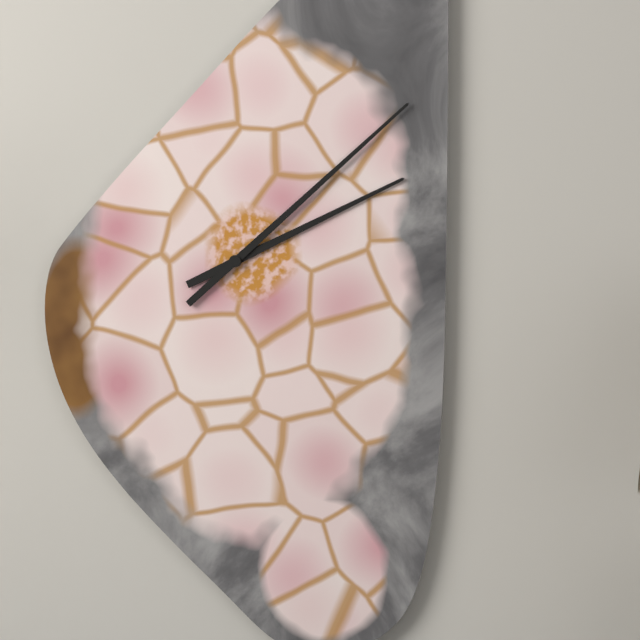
2:08
